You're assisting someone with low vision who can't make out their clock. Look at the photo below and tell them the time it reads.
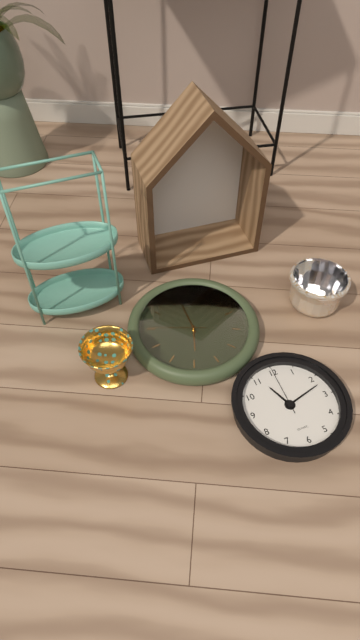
11:12:00
